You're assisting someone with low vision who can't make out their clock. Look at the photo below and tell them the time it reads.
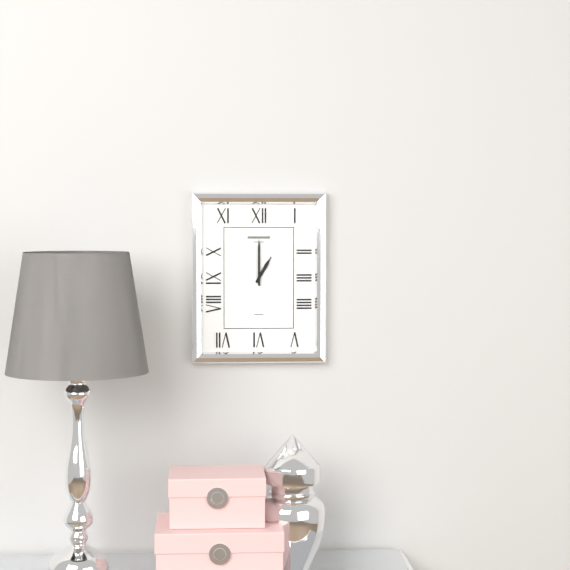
1:00
